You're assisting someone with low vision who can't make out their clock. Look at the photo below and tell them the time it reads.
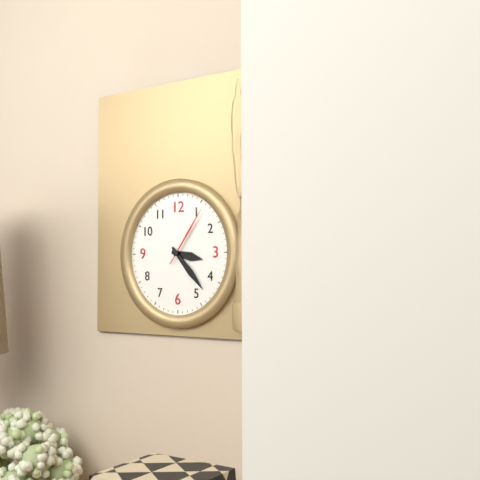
3:23:06
